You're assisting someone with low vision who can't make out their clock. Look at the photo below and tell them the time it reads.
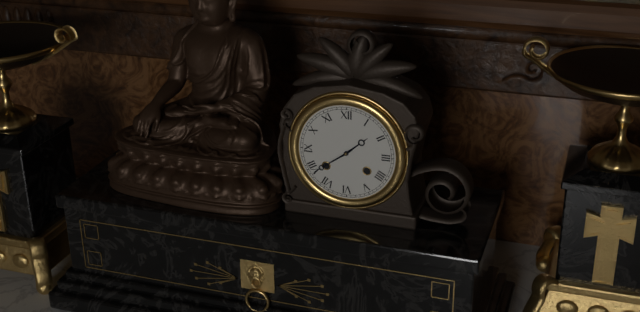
1:39
